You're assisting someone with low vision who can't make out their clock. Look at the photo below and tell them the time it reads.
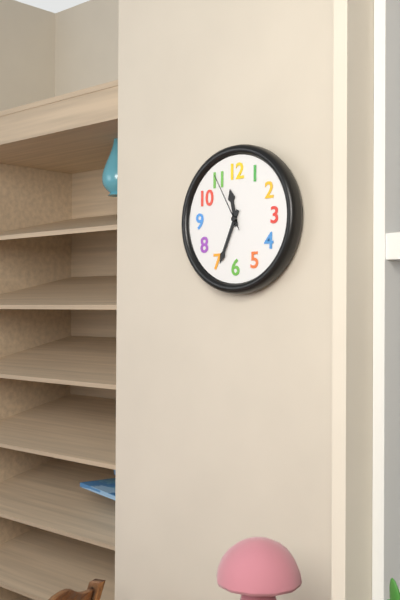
11:34:55
